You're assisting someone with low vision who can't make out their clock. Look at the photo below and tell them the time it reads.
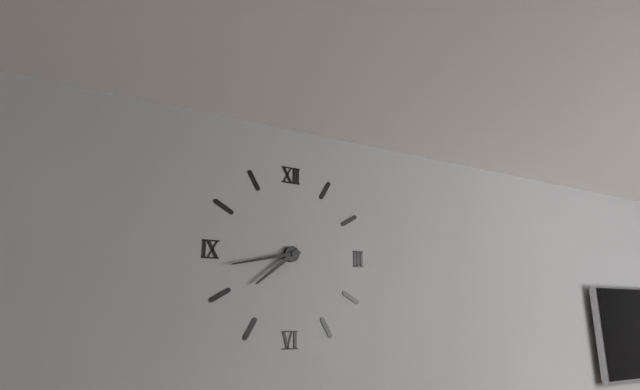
7:43
